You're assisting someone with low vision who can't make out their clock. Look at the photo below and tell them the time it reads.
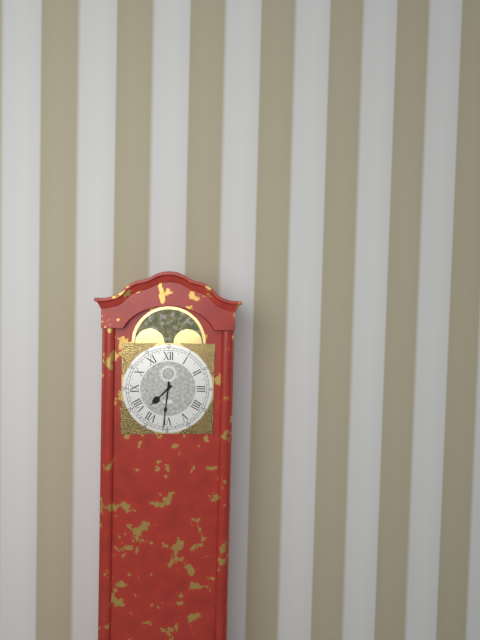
7:31
